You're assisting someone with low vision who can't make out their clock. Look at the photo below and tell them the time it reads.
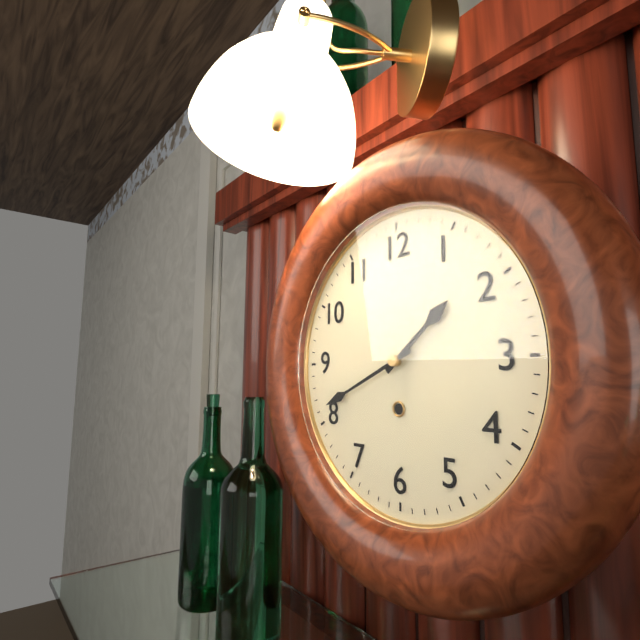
1:41
